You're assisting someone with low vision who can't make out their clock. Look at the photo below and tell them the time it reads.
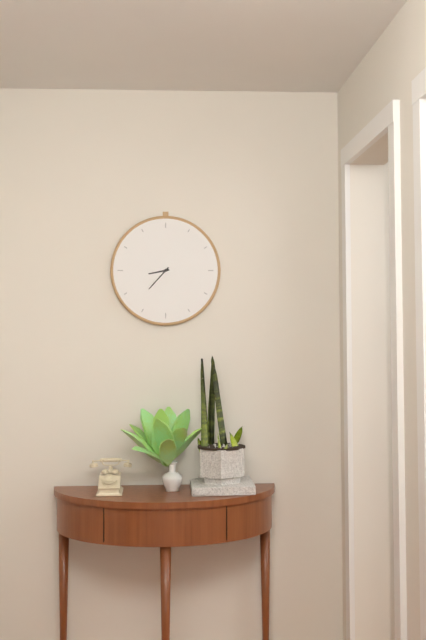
8:37
